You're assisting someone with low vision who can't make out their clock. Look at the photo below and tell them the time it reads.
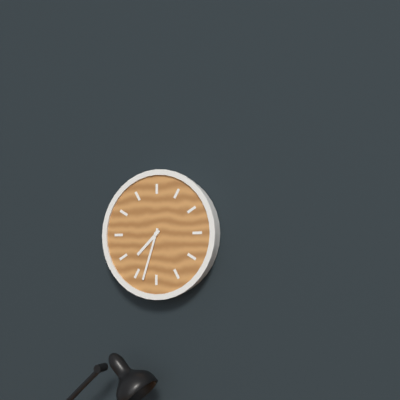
7:33
